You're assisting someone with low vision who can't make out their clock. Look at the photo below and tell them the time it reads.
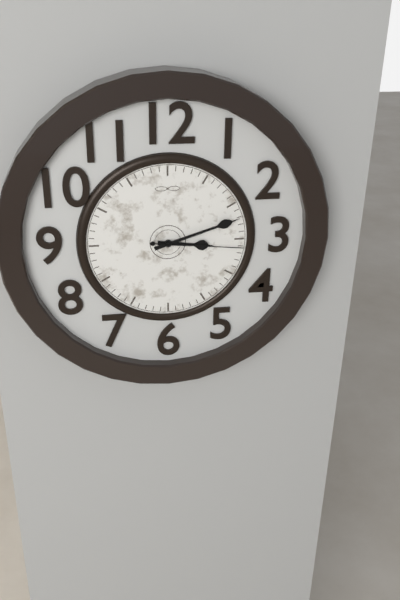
3:12:16
